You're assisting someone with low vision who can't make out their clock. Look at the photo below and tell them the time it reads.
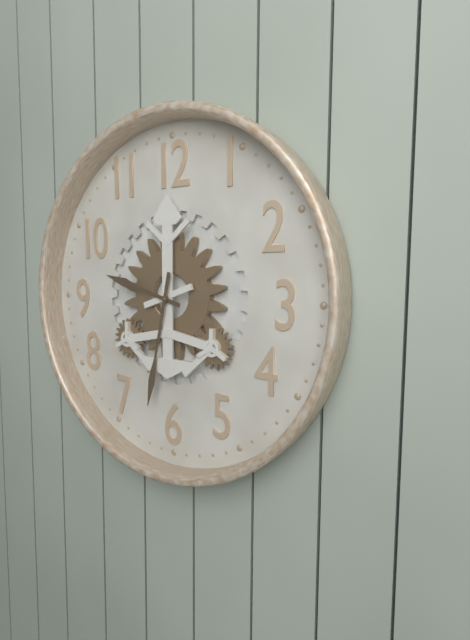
9:32
